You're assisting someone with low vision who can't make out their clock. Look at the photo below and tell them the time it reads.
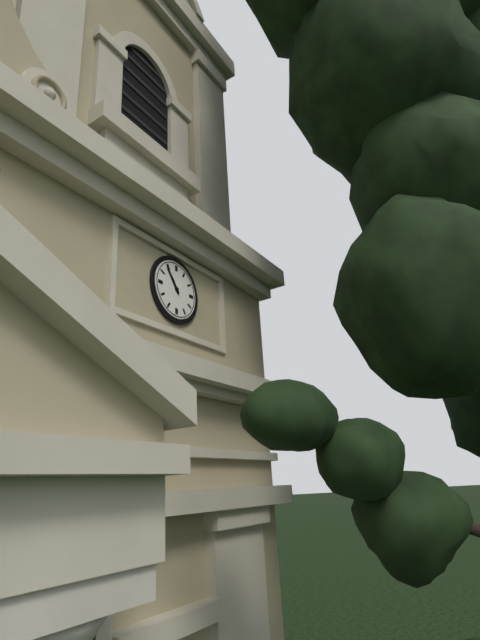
10:54
